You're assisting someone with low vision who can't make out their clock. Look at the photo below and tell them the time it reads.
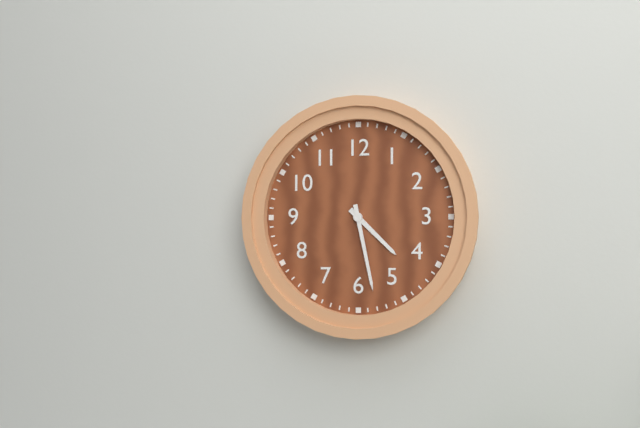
4:28
